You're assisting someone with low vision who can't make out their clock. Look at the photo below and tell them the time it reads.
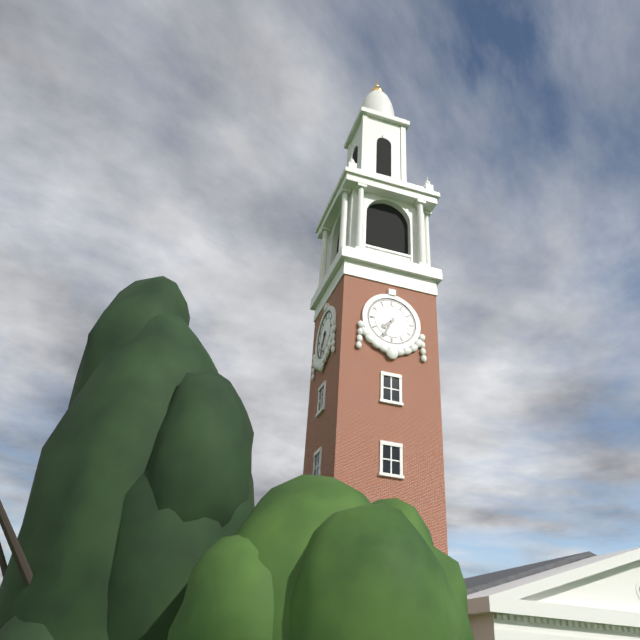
7:34
